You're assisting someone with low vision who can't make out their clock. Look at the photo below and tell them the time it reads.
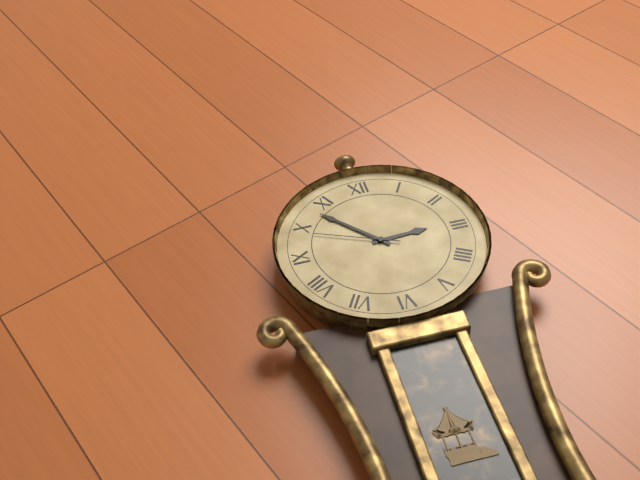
2:53:49
